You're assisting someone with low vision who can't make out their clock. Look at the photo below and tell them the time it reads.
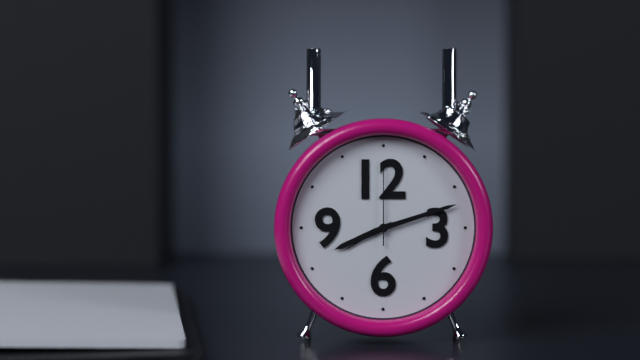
8:12:00
